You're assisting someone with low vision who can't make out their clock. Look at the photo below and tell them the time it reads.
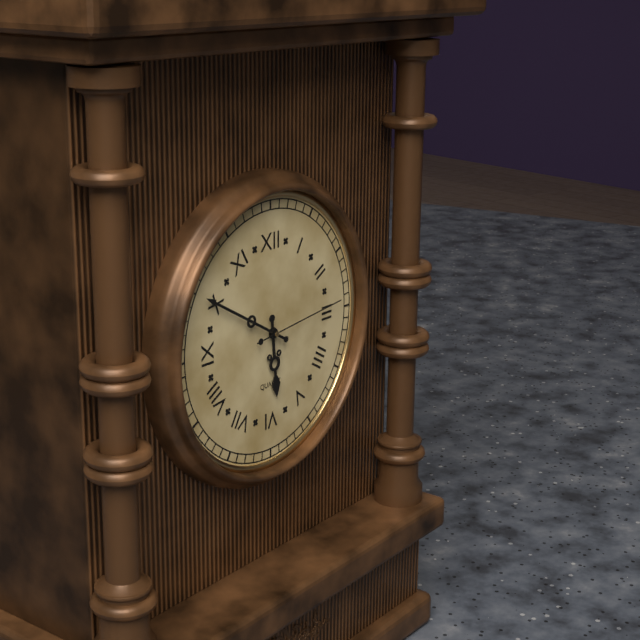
5:50:14
